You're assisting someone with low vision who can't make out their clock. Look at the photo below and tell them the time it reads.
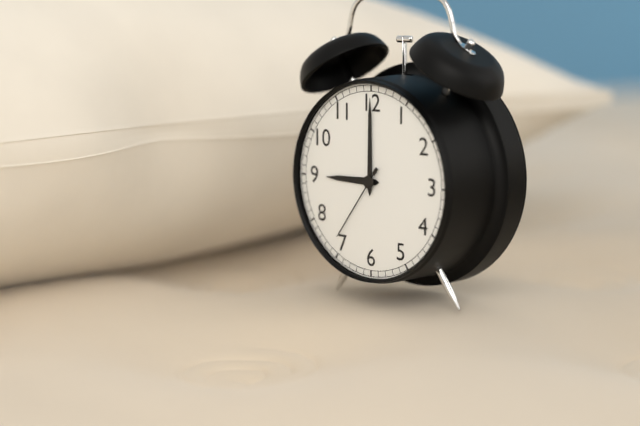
9:00:36
